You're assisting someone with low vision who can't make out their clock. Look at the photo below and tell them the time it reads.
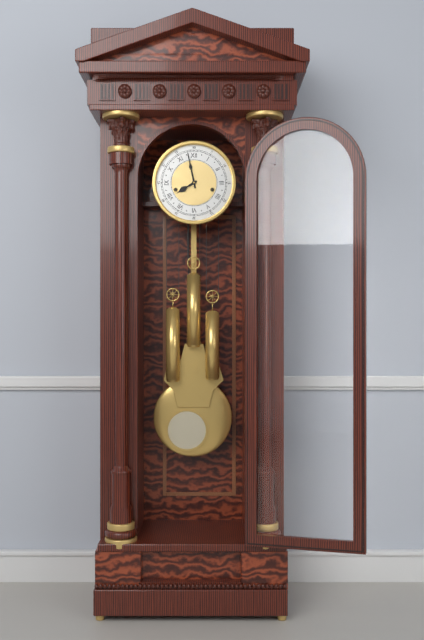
7:58
